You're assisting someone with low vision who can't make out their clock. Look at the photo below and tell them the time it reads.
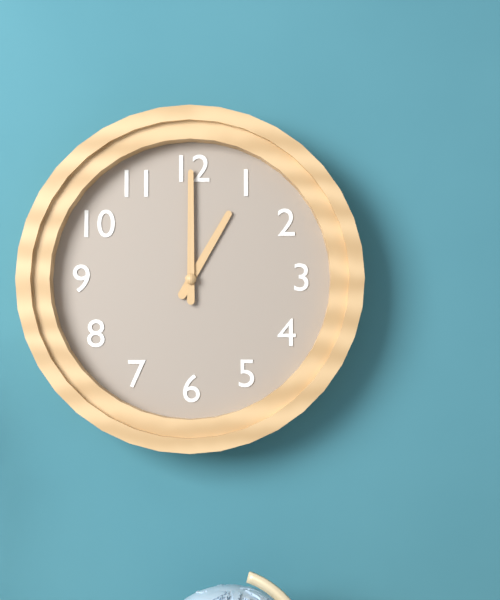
1:00
